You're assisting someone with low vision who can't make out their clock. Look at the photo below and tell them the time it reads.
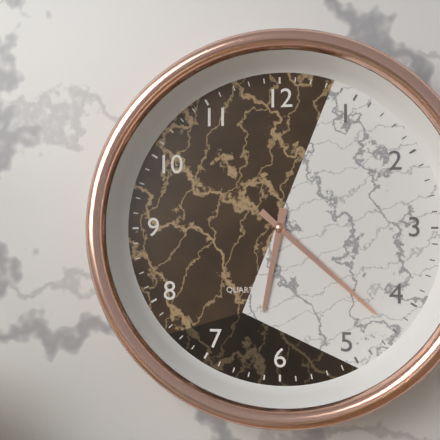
6:22
